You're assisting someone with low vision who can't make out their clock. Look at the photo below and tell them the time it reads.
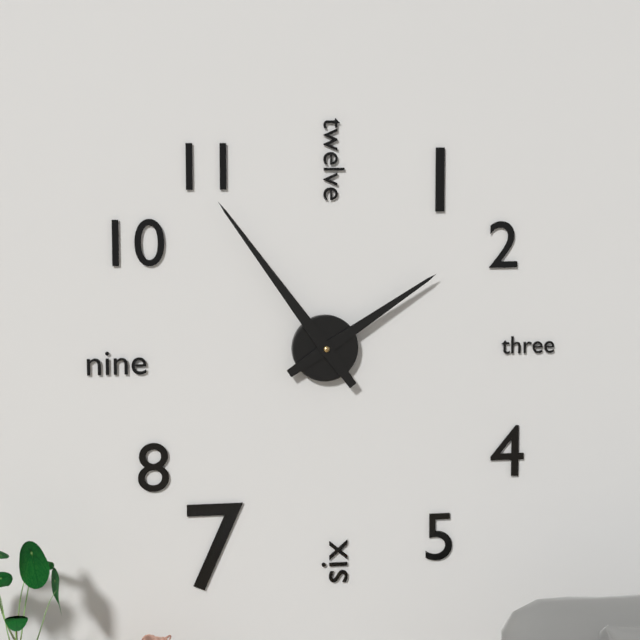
1:54
